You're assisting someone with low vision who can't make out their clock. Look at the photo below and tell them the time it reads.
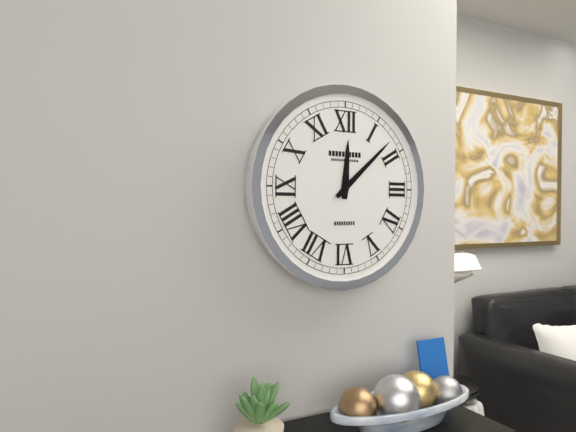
12:08
